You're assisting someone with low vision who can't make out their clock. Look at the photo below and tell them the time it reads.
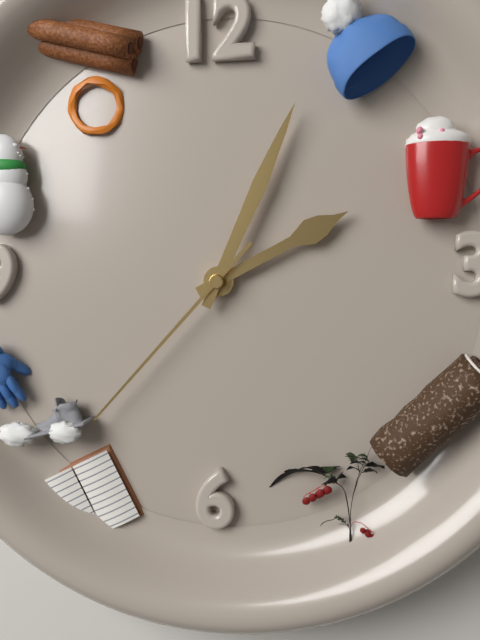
2:04:37
